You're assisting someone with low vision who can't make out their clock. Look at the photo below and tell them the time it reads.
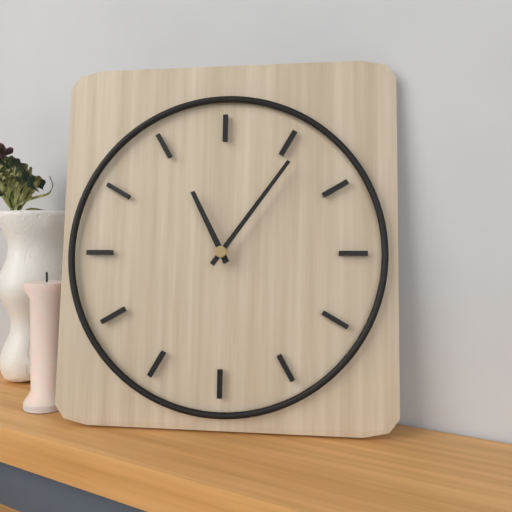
11:06
